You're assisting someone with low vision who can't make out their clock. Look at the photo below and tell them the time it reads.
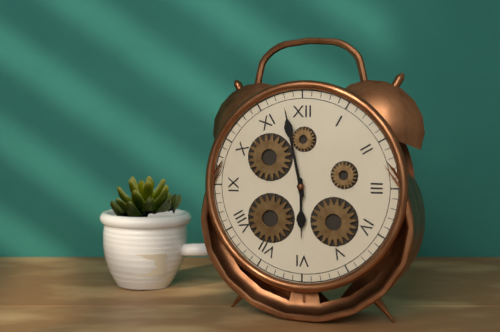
5:58
